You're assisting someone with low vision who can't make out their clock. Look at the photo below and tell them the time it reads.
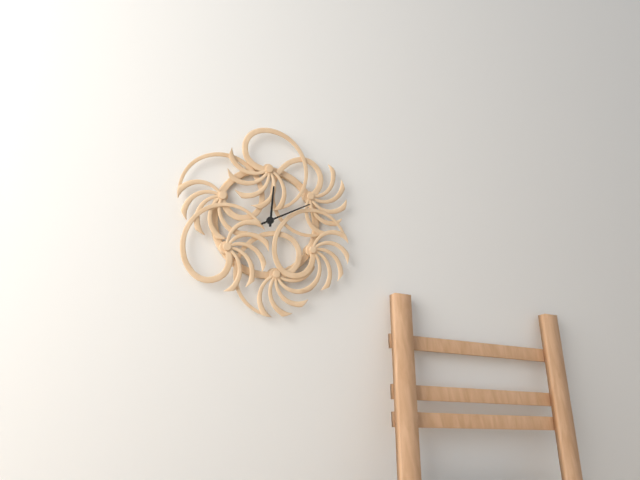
12:11
